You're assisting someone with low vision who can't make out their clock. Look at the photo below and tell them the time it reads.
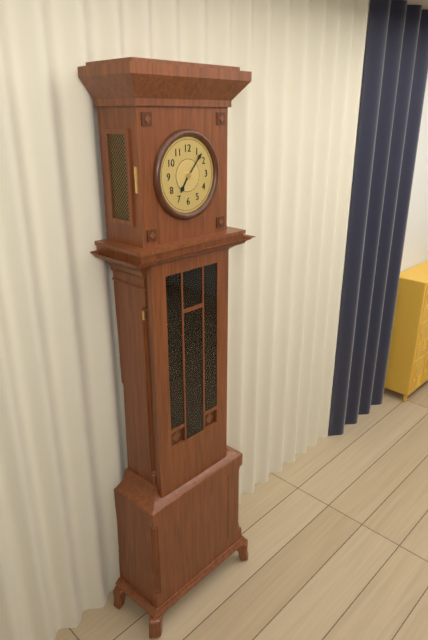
7:07
